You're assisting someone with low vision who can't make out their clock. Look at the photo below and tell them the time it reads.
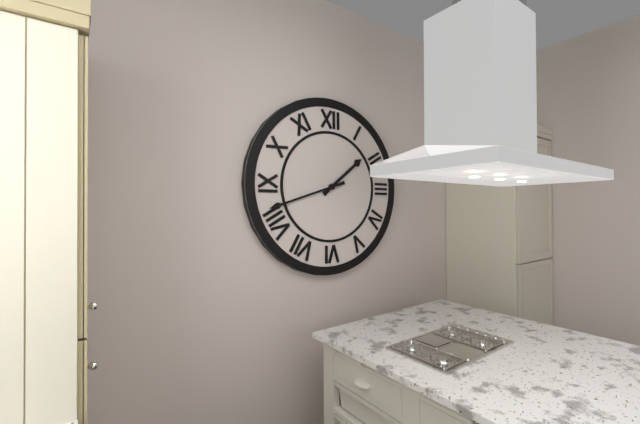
1:42
